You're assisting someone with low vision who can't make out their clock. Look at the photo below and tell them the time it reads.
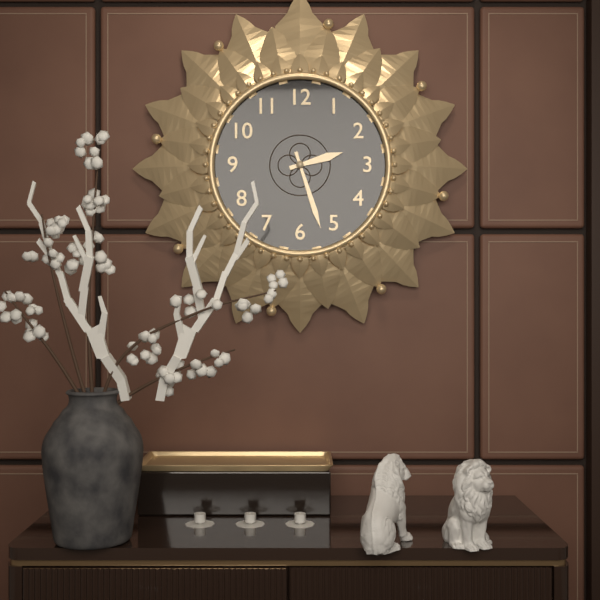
2:27
